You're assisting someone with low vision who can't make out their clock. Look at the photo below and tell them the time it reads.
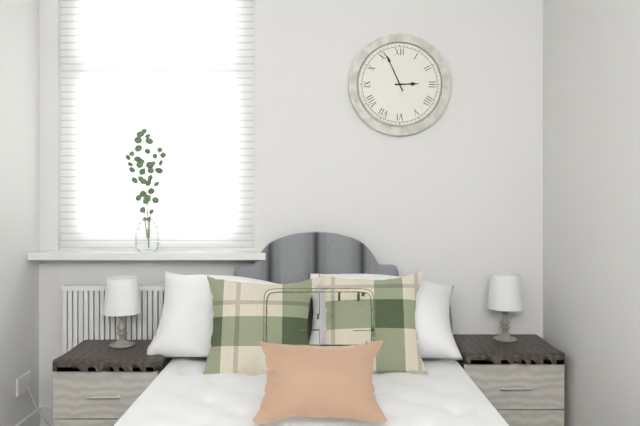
2:56
